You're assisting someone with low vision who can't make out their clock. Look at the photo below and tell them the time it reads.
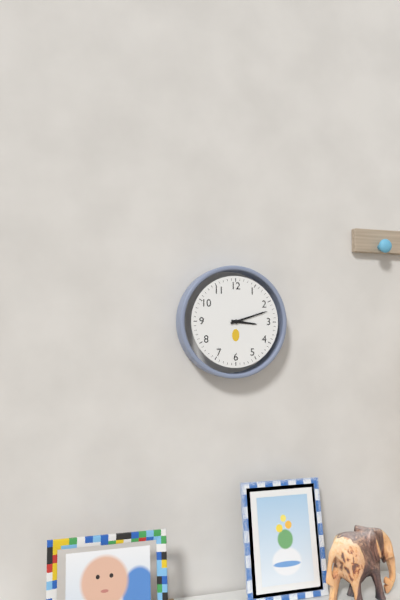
3:12
